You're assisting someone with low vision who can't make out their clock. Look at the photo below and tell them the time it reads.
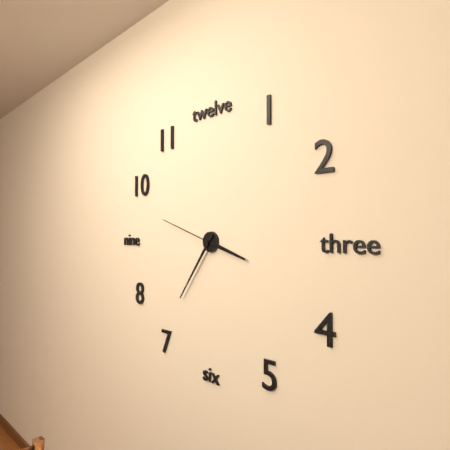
3:36:48
